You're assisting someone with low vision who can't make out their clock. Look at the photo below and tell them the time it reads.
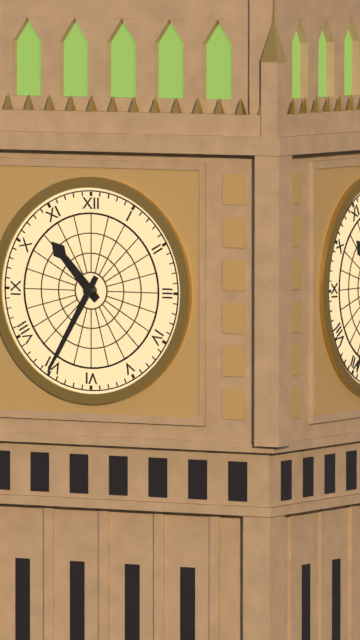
10:35
